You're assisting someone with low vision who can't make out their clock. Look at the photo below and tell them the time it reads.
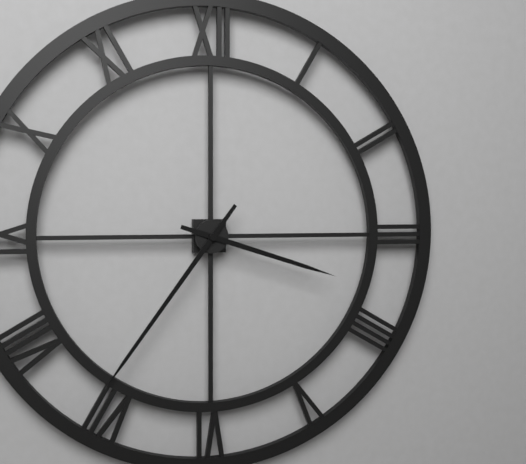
3:36
